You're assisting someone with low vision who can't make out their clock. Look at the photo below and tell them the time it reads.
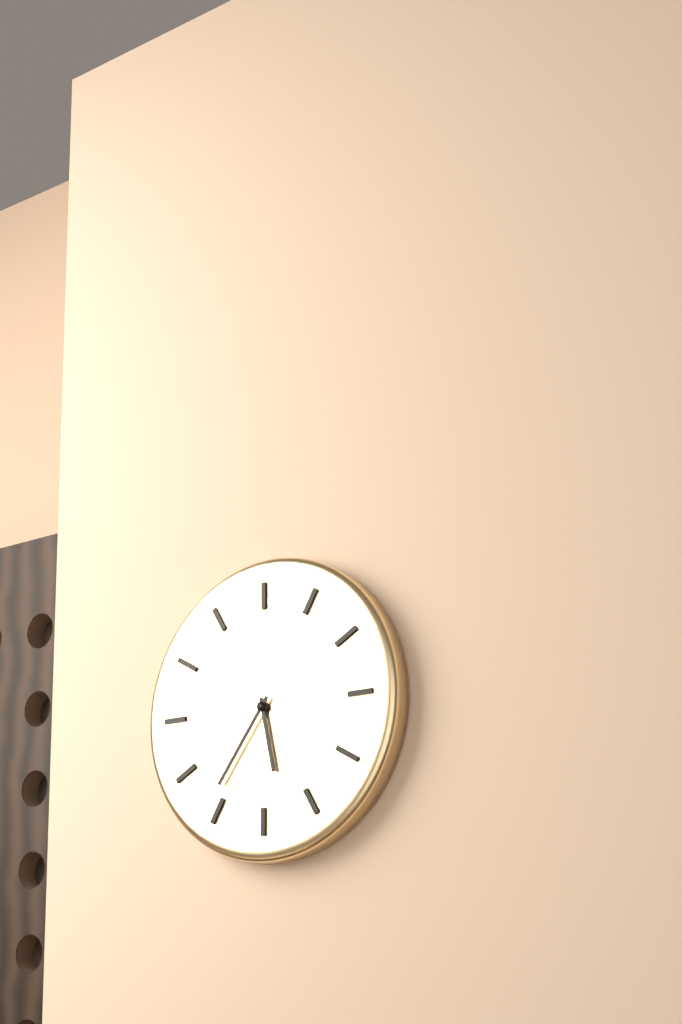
5:36
